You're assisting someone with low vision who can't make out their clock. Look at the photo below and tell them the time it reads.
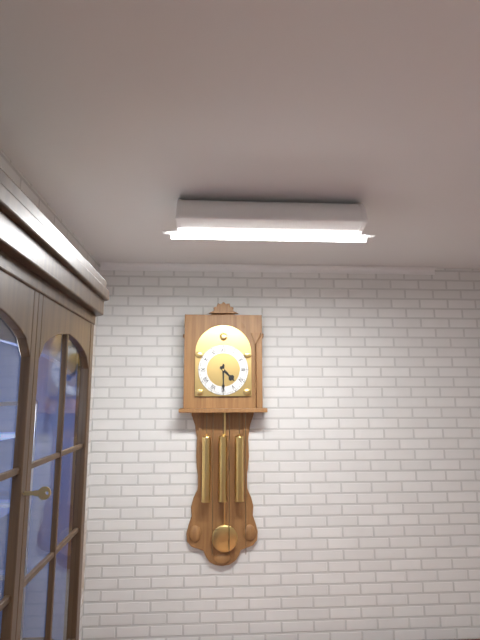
4:30
